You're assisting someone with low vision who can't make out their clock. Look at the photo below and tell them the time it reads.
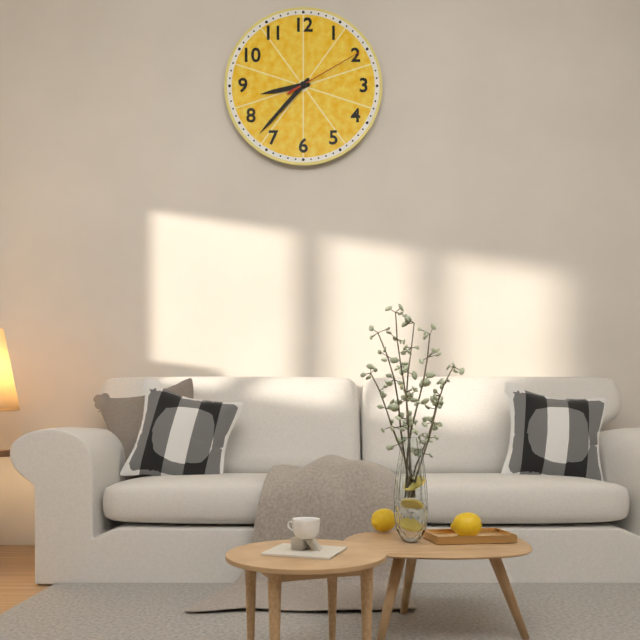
8:37:10
